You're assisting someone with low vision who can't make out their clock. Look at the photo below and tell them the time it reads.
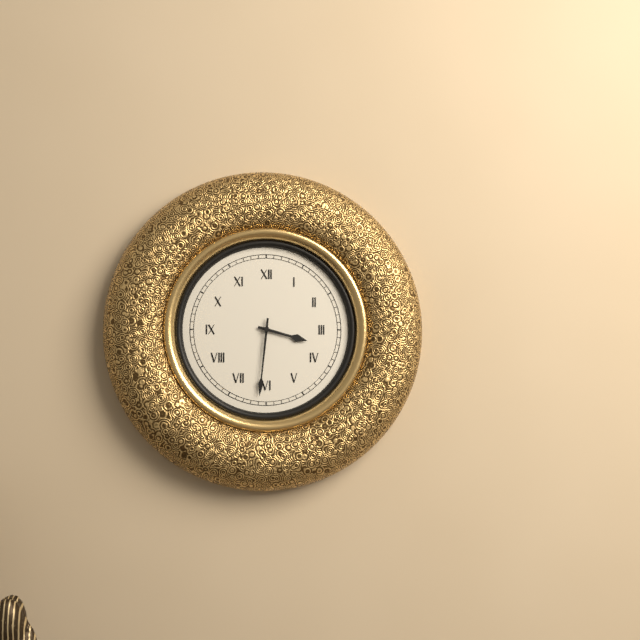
3:31
